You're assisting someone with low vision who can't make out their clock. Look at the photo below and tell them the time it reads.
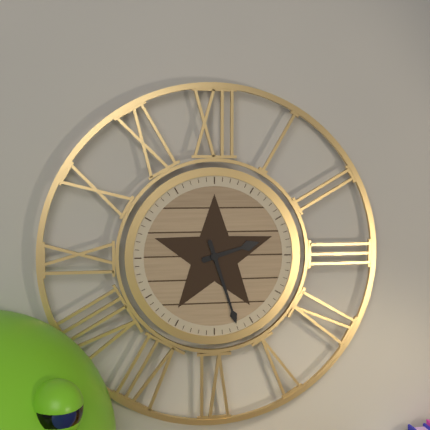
2:27
